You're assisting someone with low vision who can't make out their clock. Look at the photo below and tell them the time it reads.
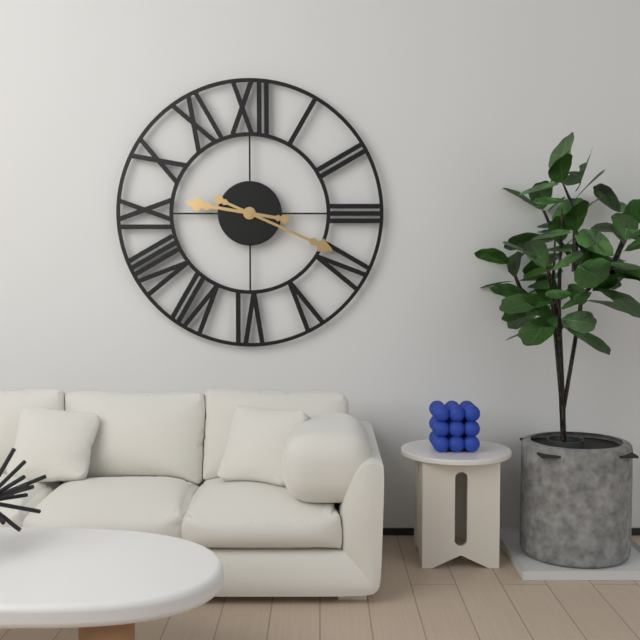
9:19
